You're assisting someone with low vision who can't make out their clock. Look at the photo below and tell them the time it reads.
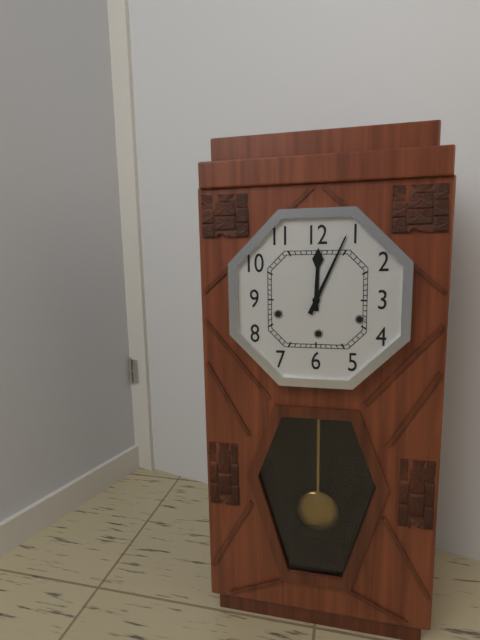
12:04
